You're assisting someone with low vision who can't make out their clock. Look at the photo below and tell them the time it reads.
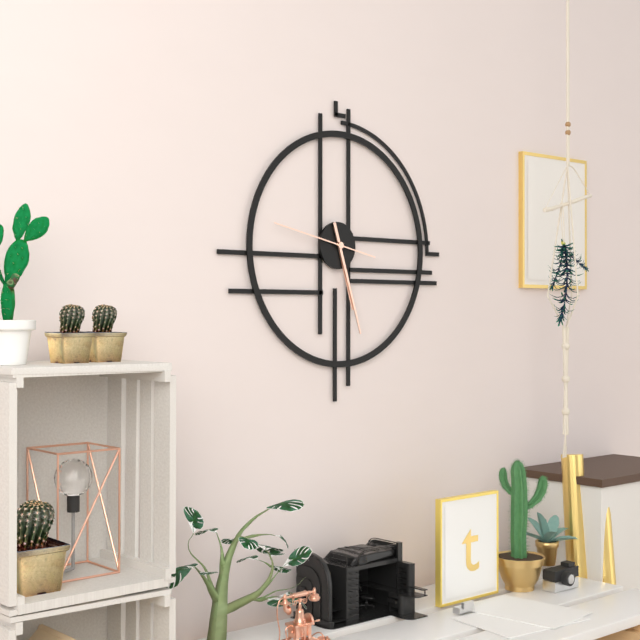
5:27:47
